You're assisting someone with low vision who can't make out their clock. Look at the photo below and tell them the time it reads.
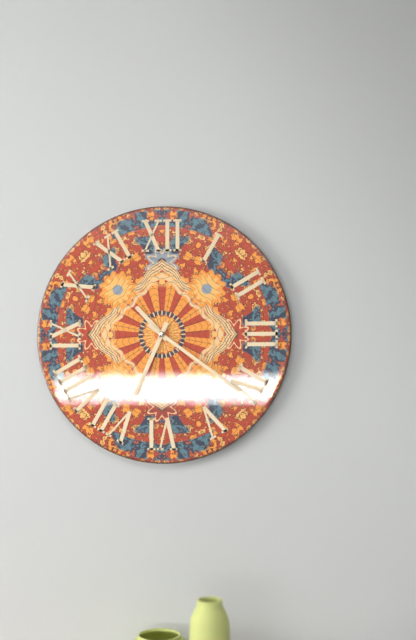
10:34:21
